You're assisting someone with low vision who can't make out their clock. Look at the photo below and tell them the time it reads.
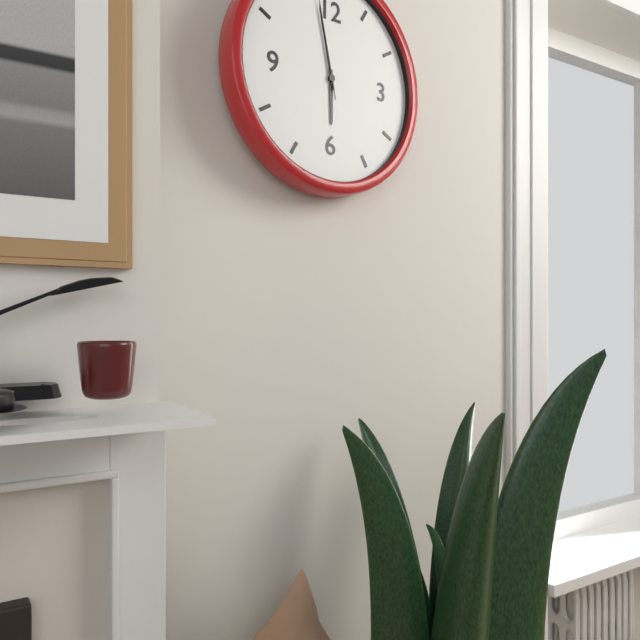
5:58
